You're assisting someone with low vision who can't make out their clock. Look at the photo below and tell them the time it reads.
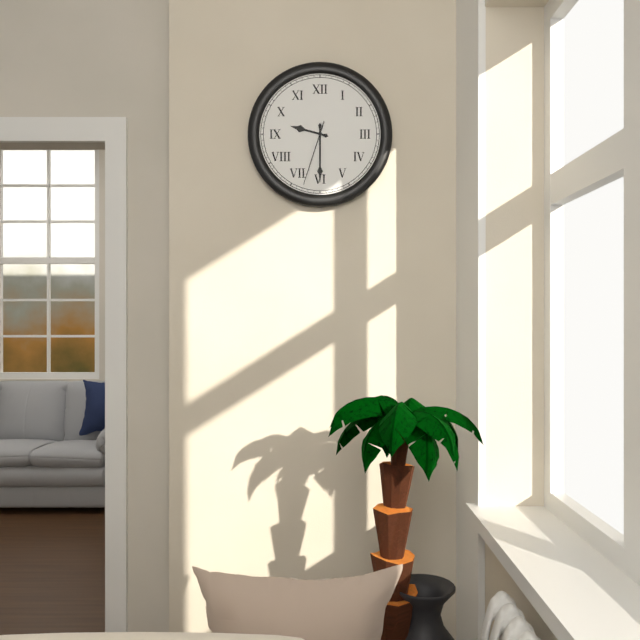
9:30:33
